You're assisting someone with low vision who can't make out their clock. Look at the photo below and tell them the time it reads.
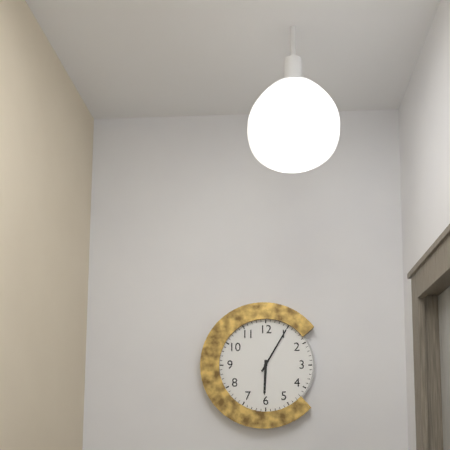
6:05
